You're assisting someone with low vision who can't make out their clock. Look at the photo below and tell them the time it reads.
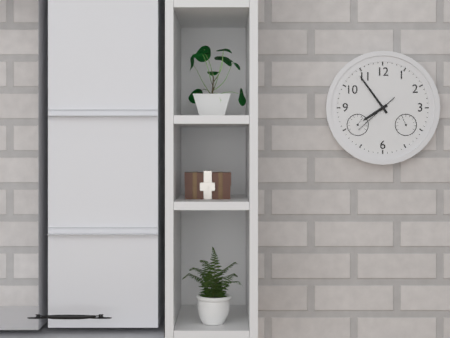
7:54
